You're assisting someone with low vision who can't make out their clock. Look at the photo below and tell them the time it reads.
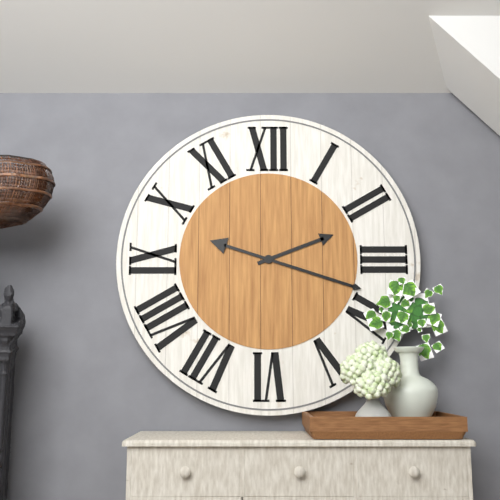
2:18
